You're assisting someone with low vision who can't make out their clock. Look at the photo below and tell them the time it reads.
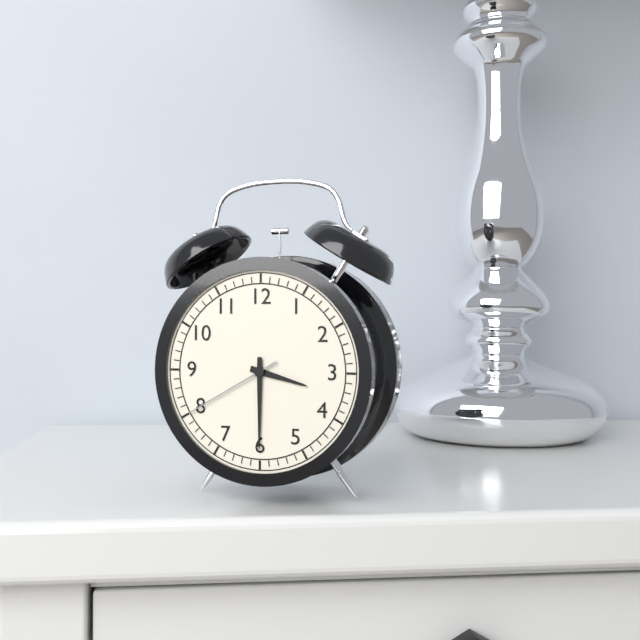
3:30:40
